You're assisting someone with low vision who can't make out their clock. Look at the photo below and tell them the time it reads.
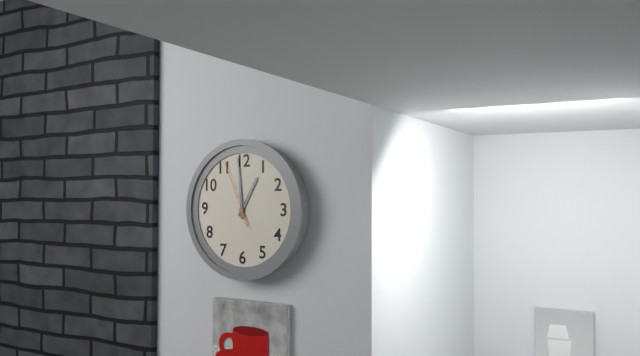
12:59:56
